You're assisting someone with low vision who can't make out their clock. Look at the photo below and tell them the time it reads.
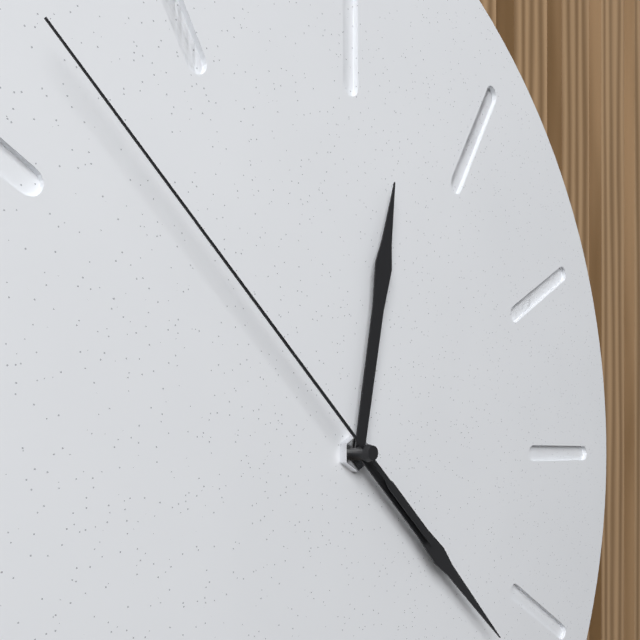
12:22:52
